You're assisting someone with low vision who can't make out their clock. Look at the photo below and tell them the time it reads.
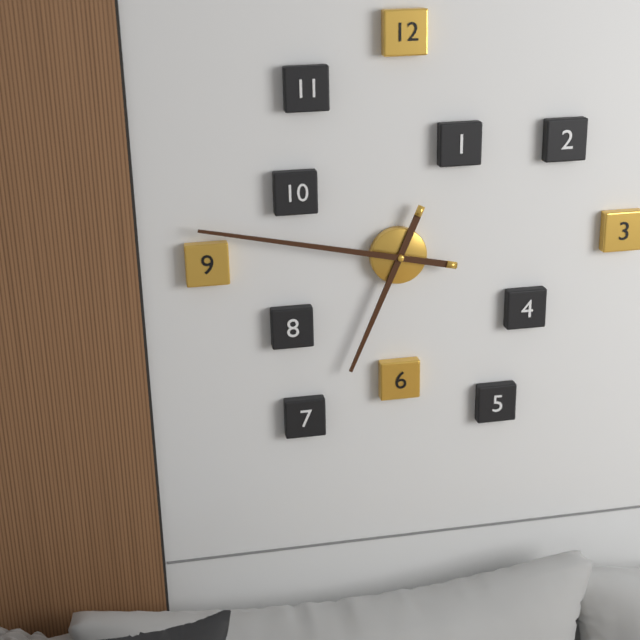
6:47
